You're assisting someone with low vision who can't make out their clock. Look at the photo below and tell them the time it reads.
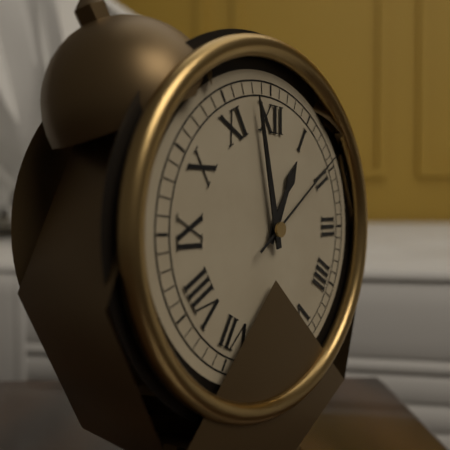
12:58:09
